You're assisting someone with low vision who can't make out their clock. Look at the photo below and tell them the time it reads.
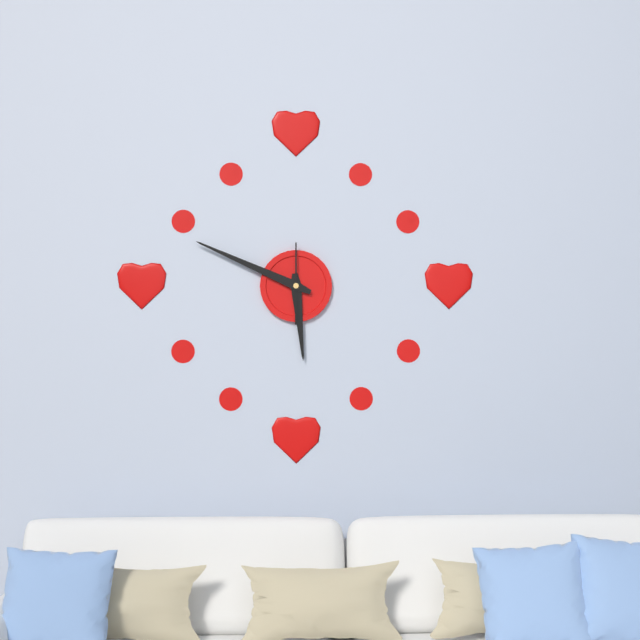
5:49:00
